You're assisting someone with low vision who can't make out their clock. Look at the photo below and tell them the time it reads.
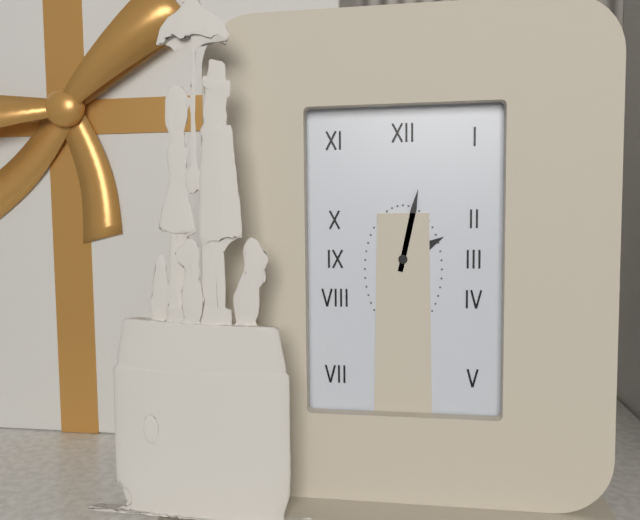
2:02
